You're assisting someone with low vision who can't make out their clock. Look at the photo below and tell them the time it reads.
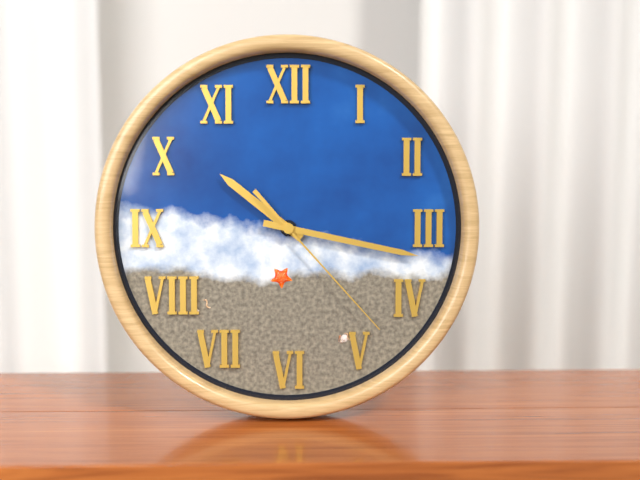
10:17:23
